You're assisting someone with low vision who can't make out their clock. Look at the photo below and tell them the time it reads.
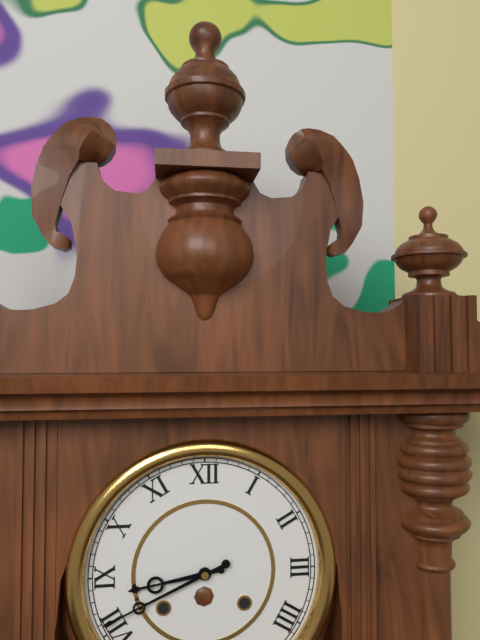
8:41
